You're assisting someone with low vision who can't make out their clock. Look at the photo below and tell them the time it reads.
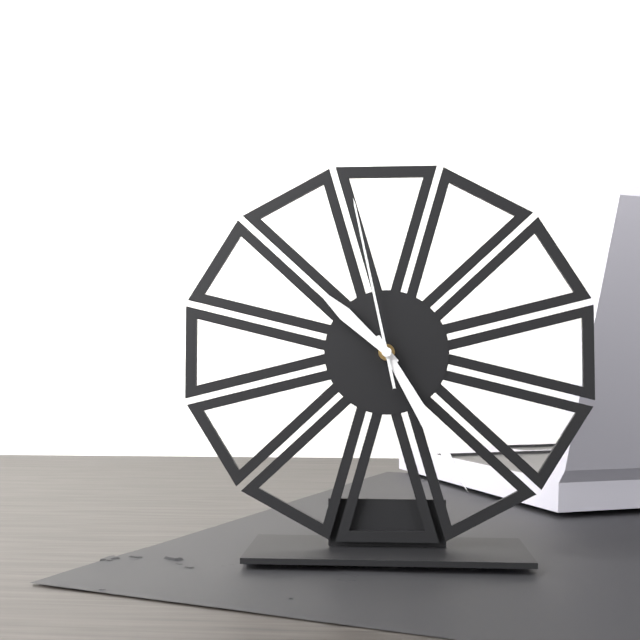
10:25:58
